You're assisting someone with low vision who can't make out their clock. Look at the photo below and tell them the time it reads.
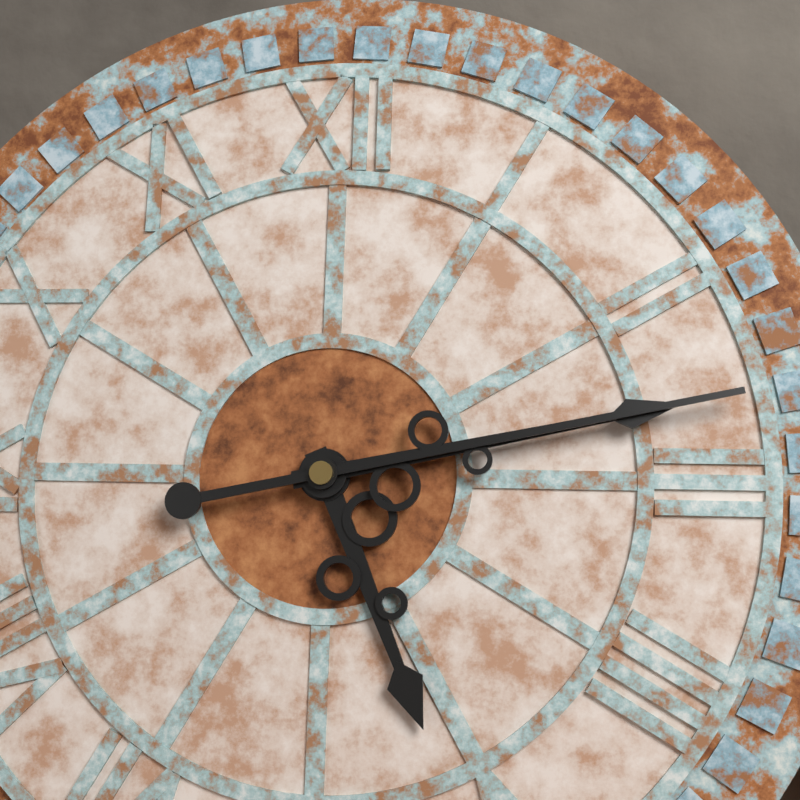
5:13:13
